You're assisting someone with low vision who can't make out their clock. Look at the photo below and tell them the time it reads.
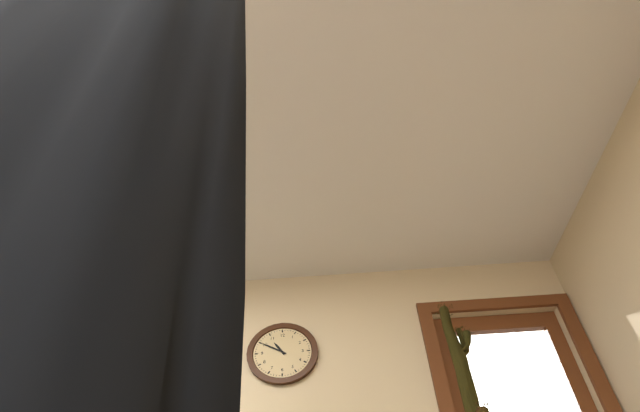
10:50
